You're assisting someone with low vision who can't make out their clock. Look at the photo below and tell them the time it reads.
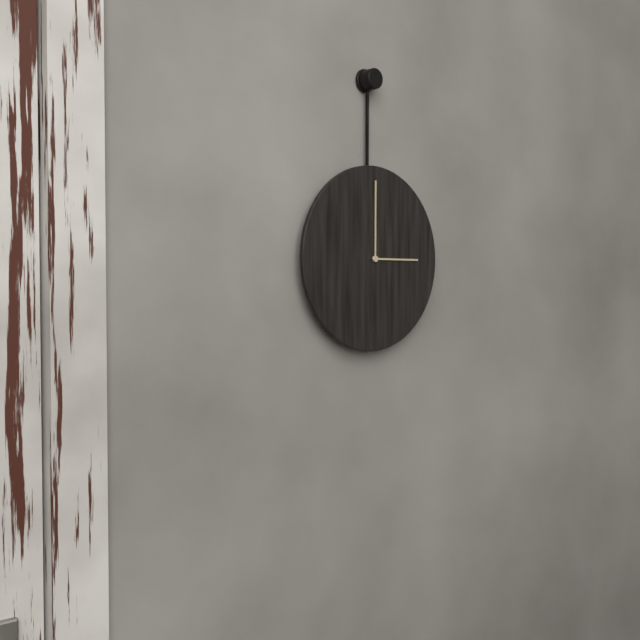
3:00
